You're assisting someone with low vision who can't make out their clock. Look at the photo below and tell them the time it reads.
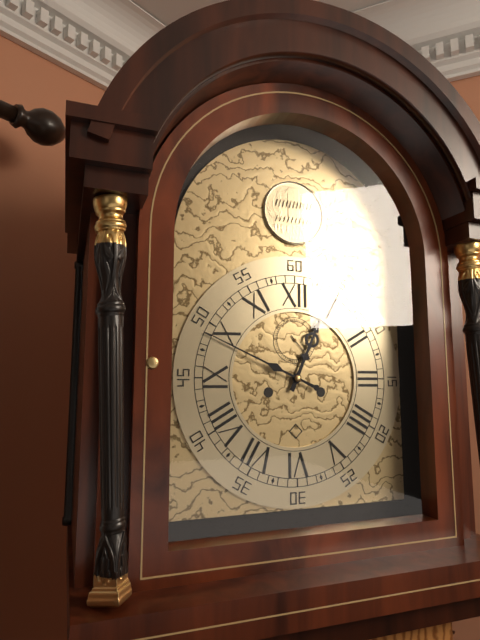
12:49
